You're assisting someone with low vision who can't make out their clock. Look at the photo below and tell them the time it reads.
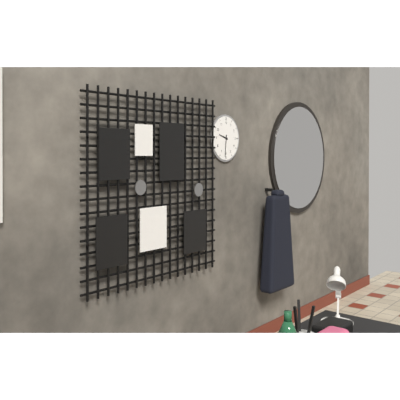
9:31
